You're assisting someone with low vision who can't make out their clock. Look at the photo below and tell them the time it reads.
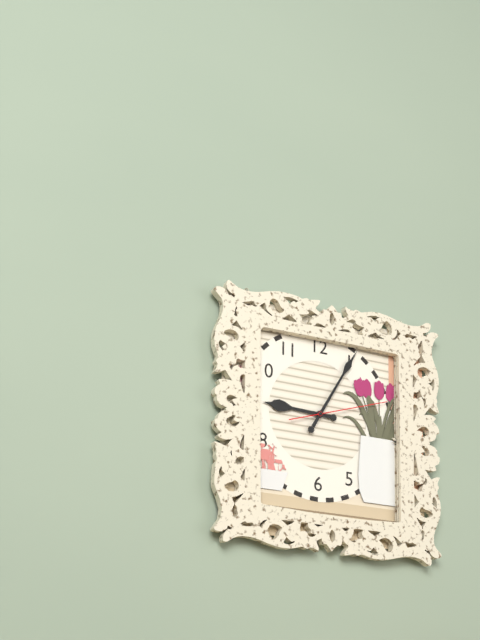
9:05:12
